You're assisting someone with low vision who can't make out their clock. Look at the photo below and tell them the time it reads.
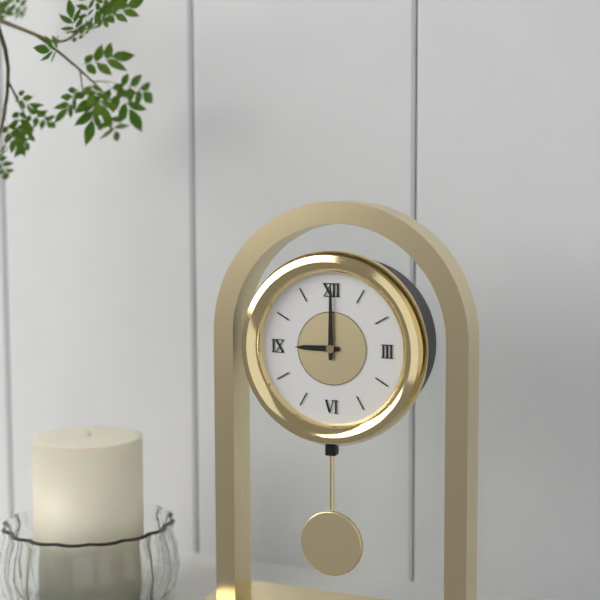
9:00
